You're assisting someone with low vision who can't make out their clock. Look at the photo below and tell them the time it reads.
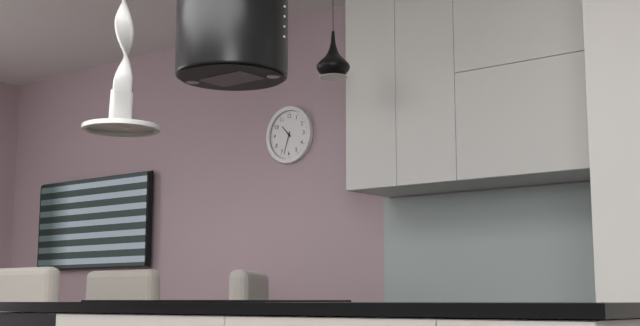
10:33
